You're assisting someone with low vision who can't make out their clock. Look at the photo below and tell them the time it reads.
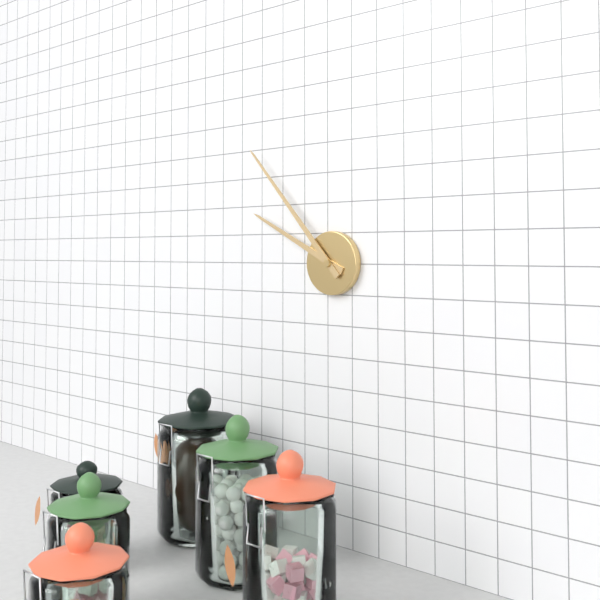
9:53
